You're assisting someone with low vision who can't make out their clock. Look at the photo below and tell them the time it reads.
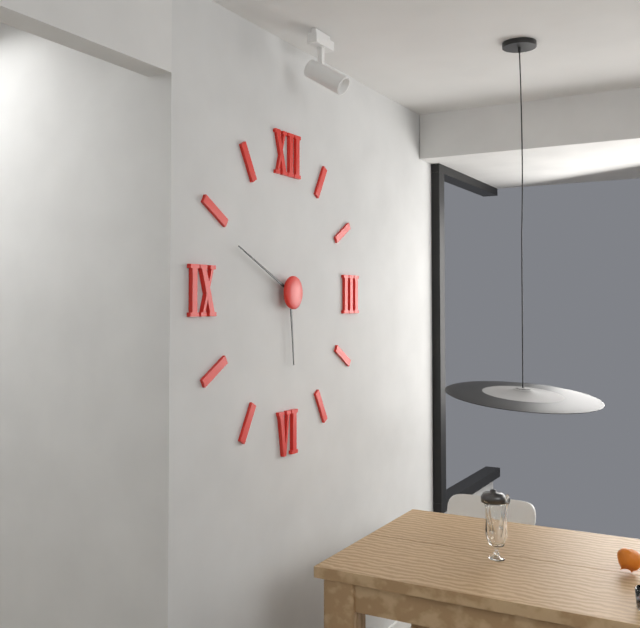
5:49
